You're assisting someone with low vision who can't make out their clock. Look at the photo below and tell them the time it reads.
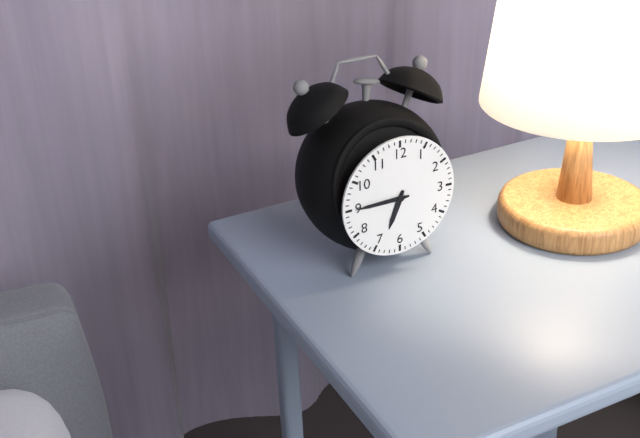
6:45
